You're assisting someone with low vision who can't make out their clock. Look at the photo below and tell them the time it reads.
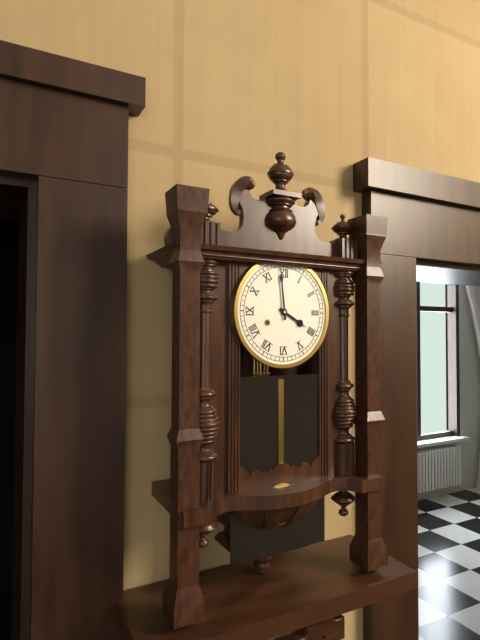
3:59
